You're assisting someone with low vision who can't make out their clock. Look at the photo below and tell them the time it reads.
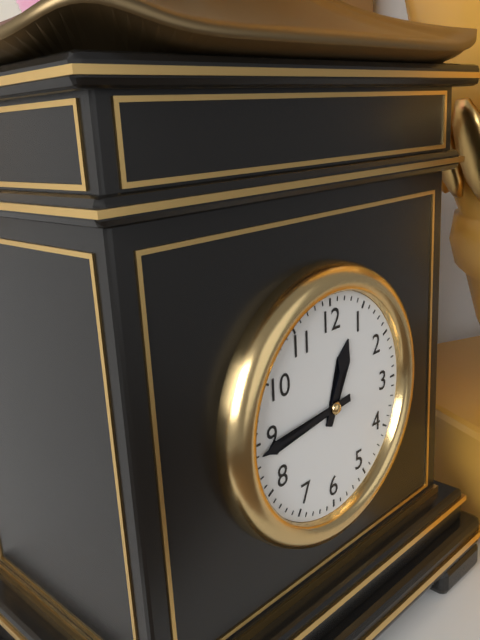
12:44
